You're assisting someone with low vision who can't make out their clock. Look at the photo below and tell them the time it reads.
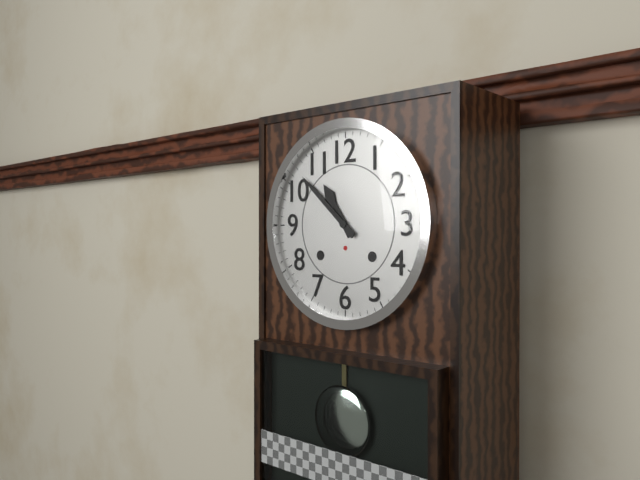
10:52
